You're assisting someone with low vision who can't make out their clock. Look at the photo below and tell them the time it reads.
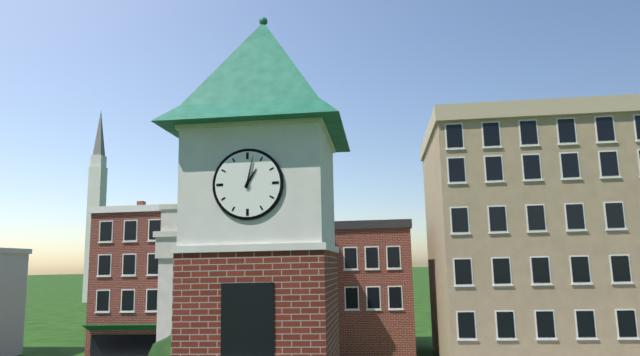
1:02
